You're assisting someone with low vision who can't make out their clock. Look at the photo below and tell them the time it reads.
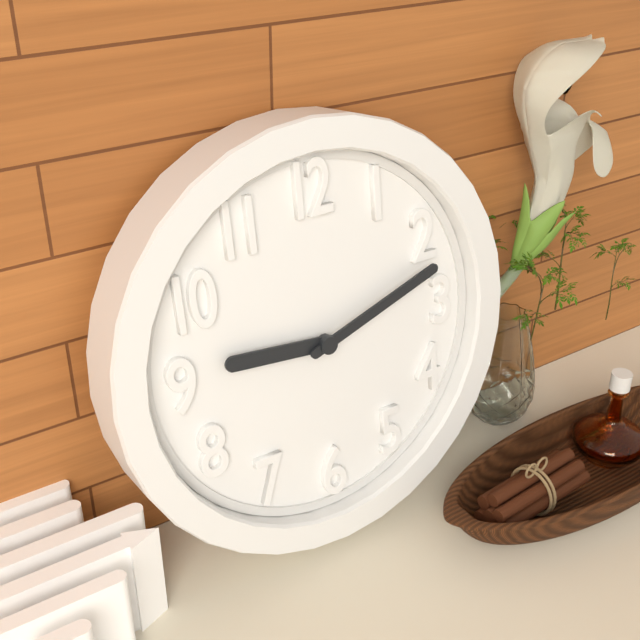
9:12
